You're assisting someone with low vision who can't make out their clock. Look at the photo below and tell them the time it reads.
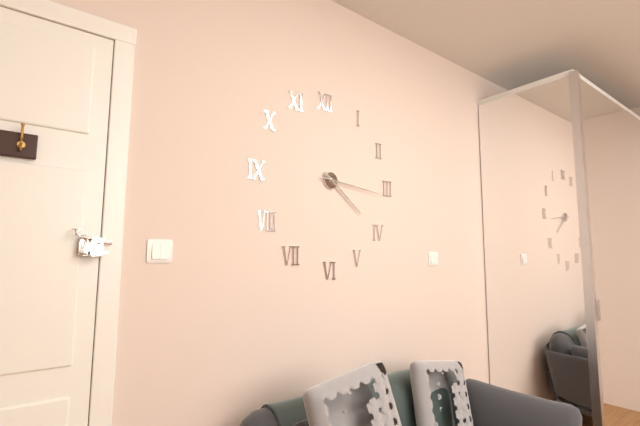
4:16
